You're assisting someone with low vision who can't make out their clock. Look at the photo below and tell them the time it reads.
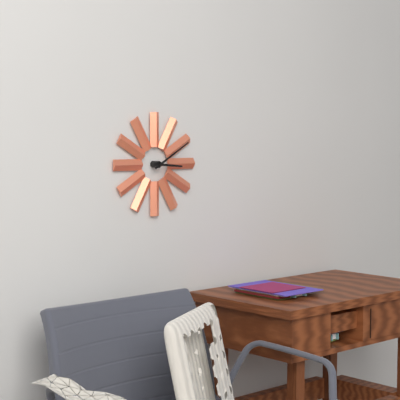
3:10
